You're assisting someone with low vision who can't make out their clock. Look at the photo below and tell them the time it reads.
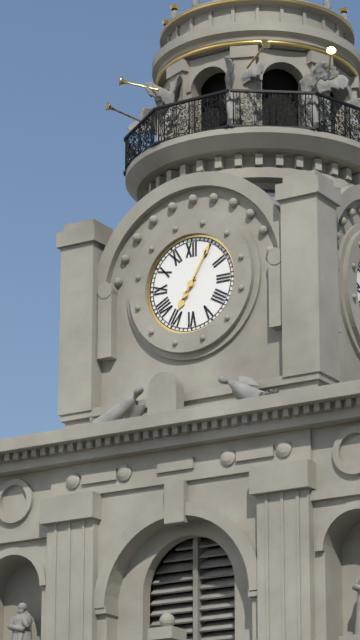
7:05
